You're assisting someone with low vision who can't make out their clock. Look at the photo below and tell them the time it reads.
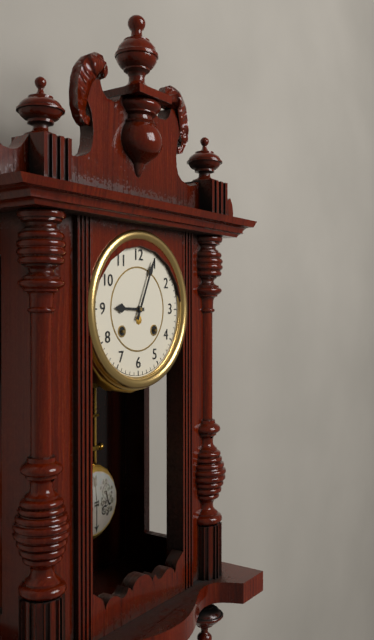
9:04
